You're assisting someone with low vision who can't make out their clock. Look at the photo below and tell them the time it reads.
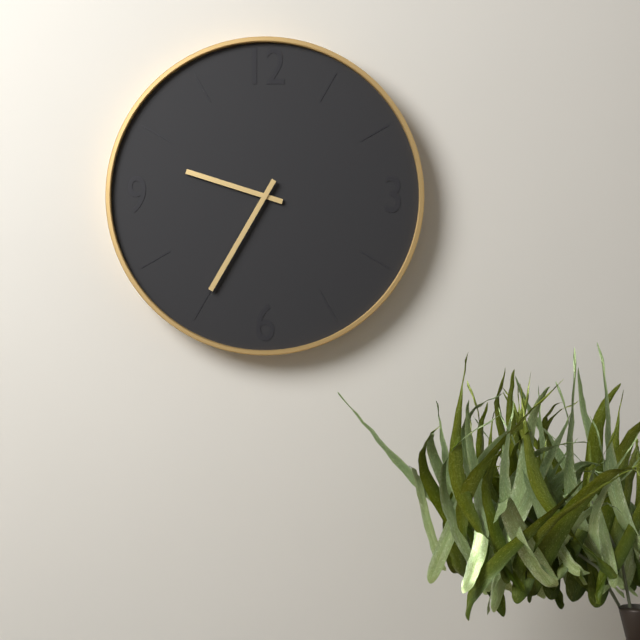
9:35
